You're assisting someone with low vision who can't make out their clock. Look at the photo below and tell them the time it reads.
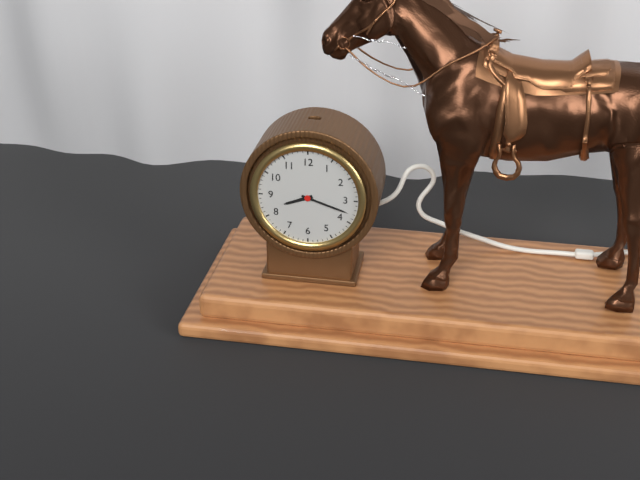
8:18
